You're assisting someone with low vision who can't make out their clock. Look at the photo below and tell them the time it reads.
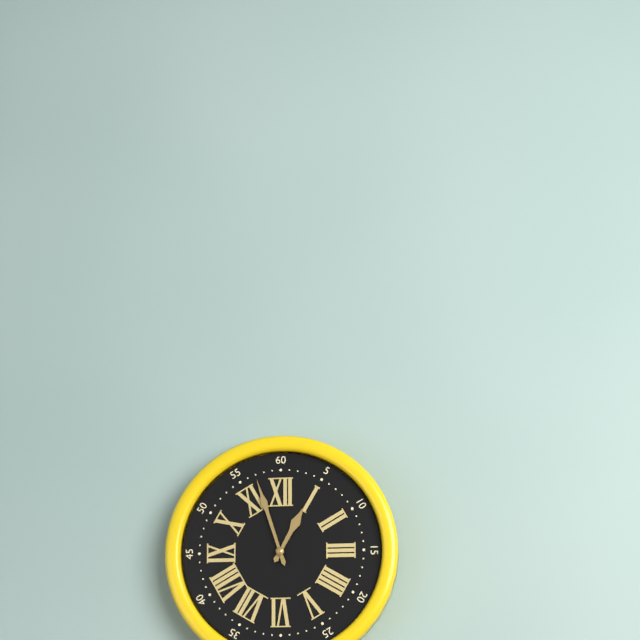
12:57
